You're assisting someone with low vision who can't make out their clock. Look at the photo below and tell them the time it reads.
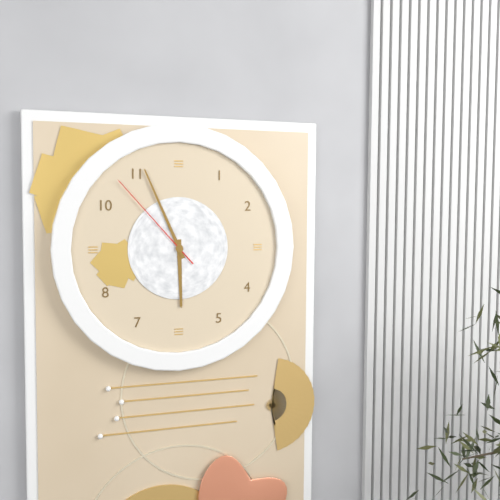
5:56:53
